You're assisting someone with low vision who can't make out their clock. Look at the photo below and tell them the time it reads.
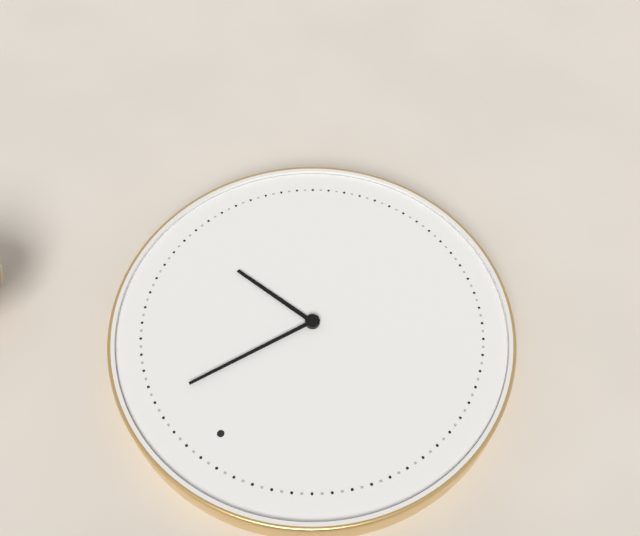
3:04
